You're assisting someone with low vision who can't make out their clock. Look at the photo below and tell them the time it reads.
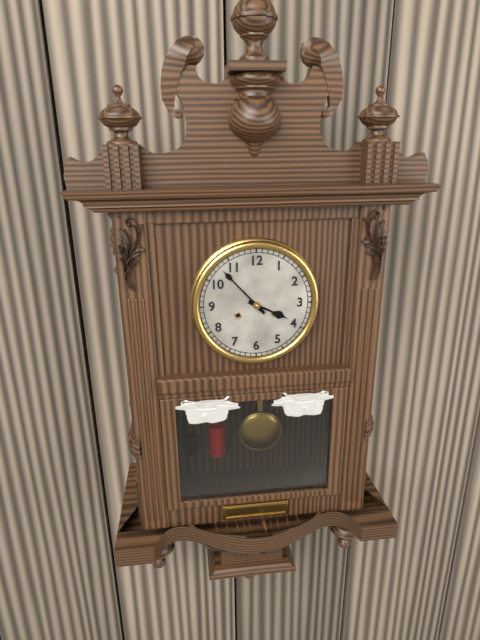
3:53
